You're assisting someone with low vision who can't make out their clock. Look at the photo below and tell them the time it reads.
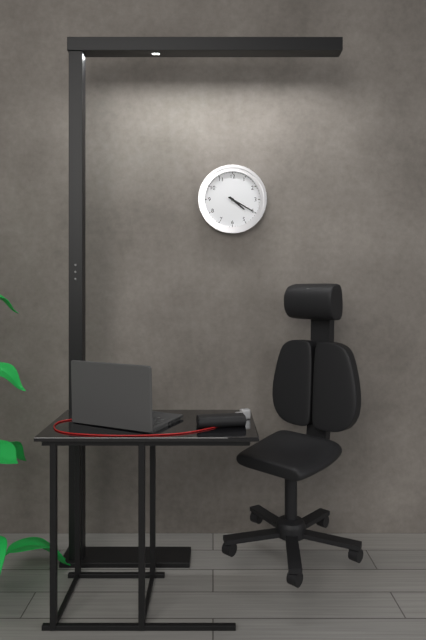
4:20
